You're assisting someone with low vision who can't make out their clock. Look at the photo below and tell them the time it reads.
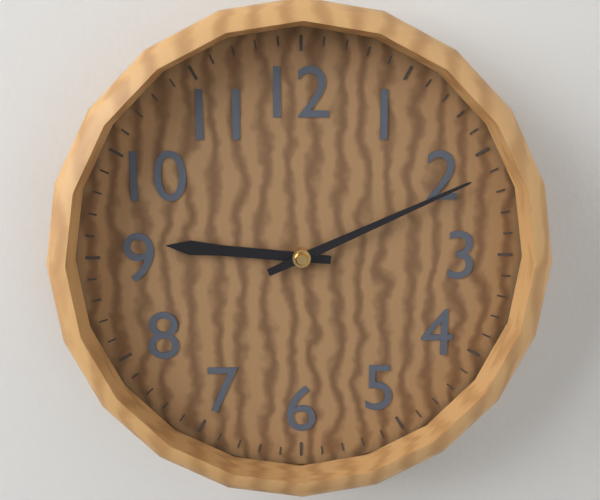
9:11
